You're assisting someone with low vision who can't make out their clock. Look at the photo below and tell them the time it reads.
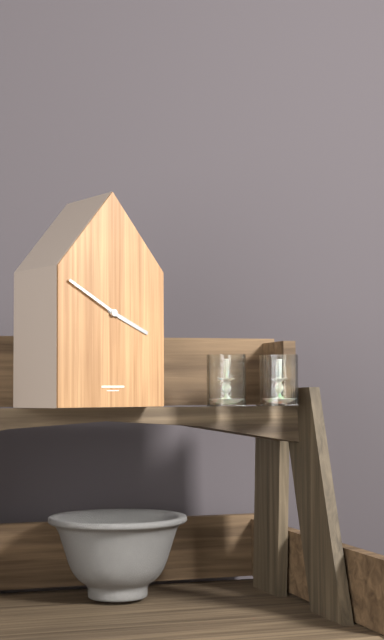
3:50
